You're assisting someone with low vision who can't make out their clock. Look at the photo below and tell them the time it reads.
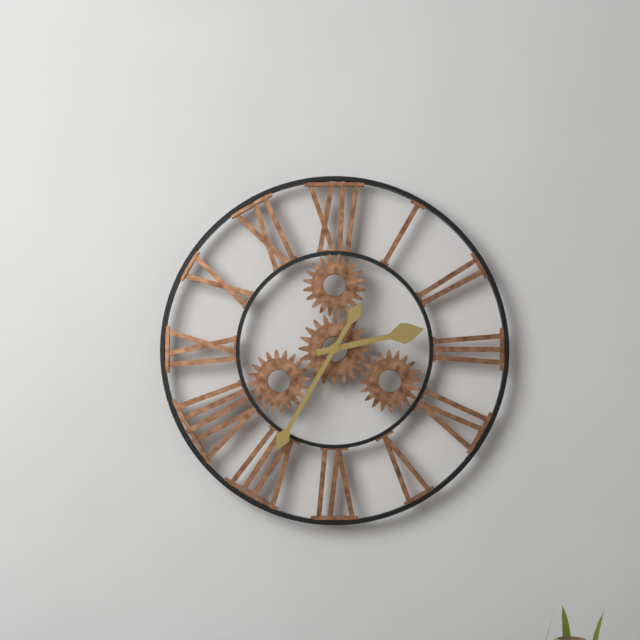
2:35
